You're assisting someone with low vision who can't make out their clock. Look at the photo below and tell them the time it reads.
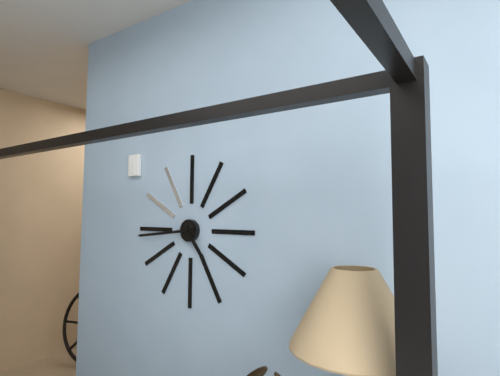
4:44
